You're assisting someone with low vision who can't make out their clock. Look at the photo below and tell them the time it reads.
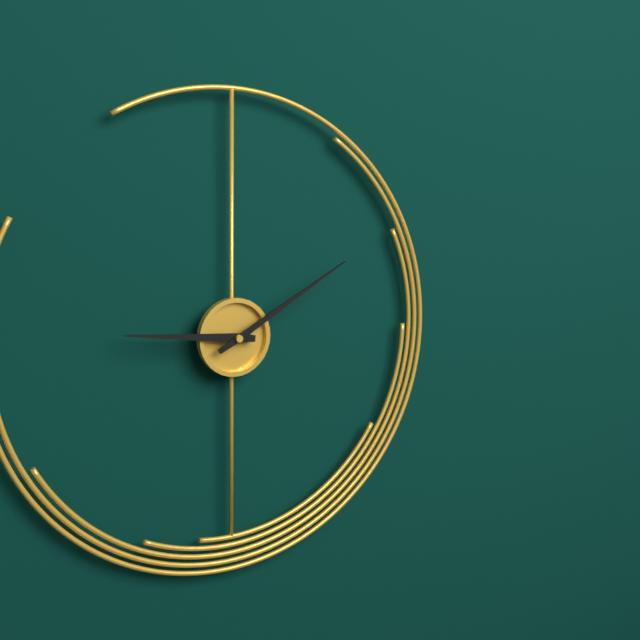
9:10
